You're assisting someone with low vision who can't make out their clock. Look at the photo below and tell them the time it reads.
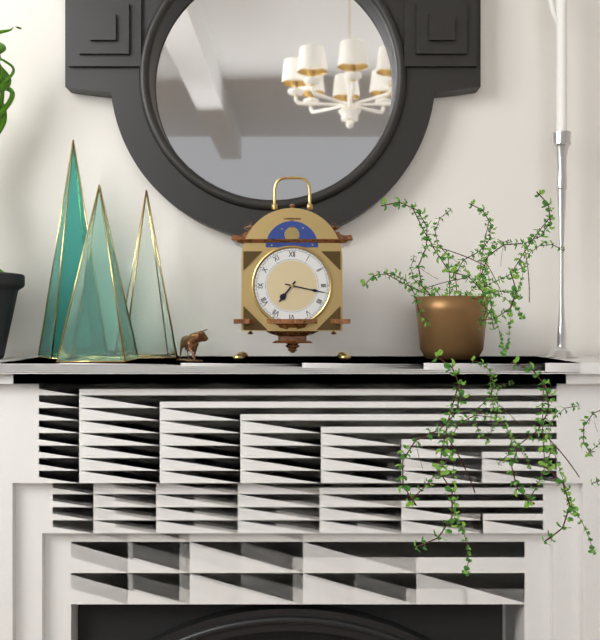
7:17
